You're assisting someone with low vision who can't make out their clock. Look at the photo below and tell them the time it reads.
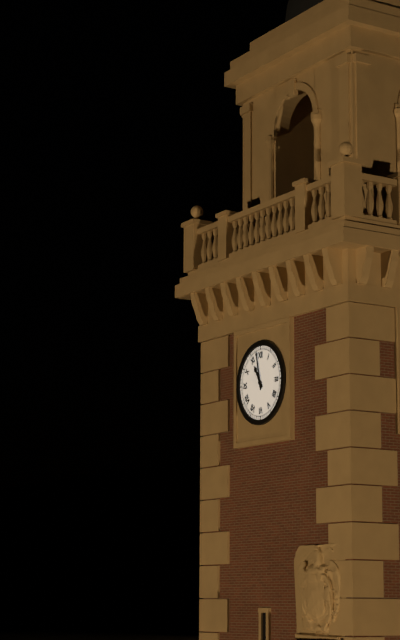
10:58
